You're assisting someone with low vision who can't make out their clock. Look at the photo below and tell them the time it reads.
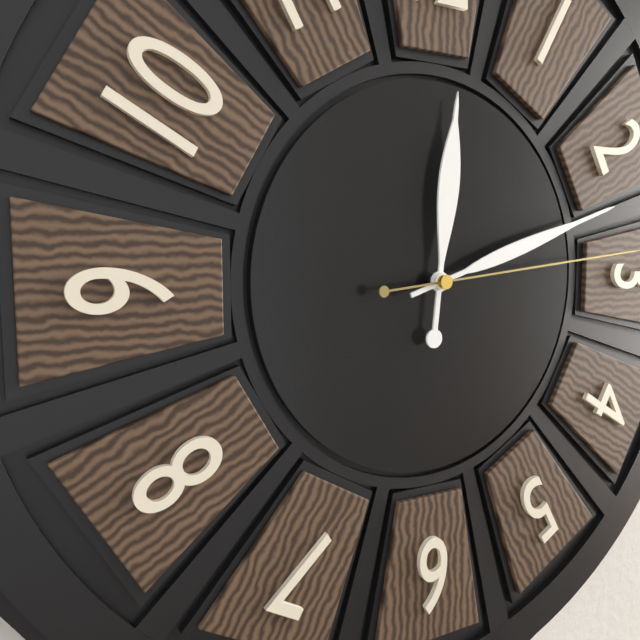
12:12
